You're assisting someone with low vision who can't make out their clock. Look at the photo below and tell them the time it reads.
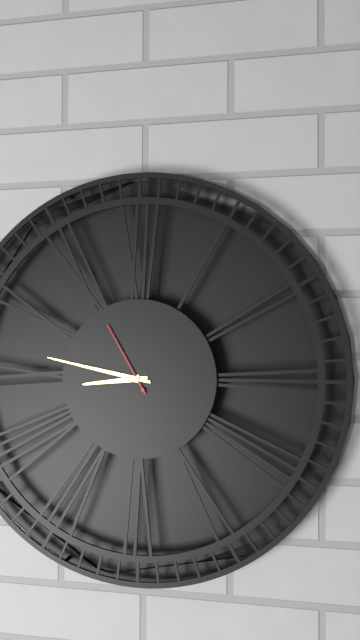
8:47:55
